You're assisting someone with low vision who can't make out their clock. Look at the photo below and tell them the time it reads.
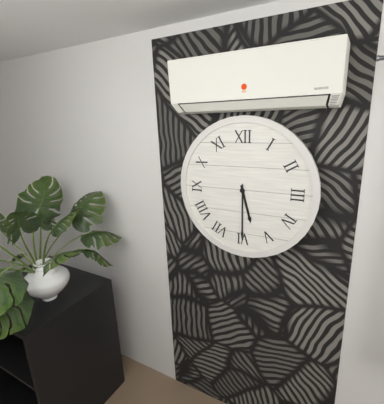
5:30
